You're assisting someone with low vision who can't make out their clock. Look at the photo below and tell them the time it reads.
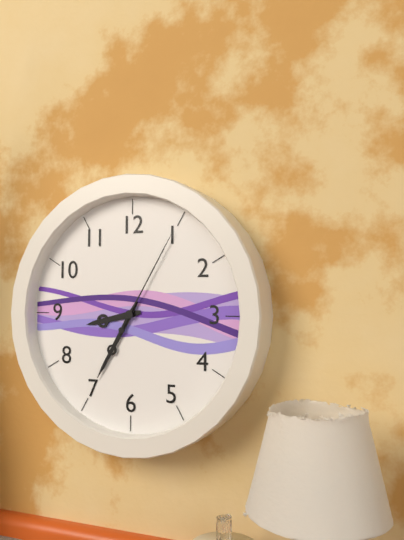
8:35:05
